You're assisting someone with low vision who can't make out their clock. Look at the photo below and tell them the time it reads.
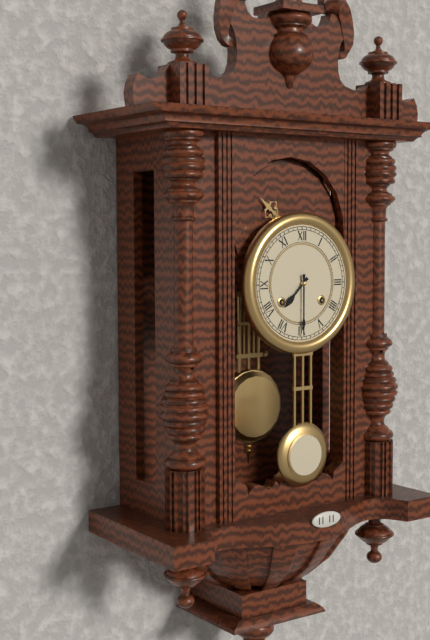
7:30
